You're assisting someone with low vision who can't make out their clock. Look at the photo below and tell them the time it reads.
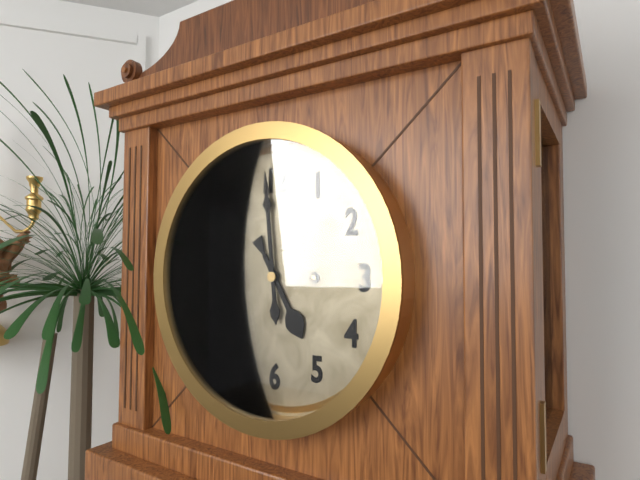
4:59
